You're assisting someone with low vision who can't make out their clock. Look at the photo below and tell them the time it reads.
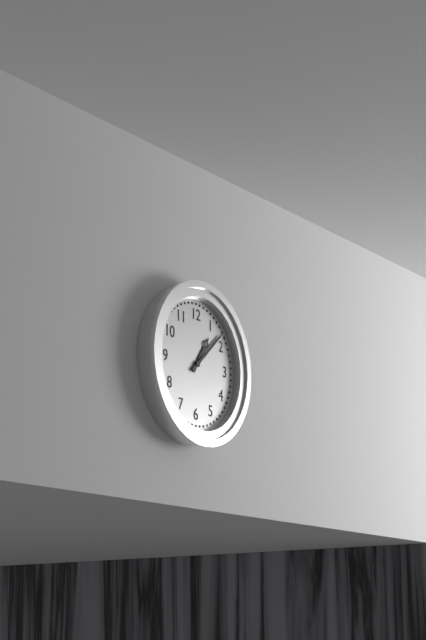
1:08
